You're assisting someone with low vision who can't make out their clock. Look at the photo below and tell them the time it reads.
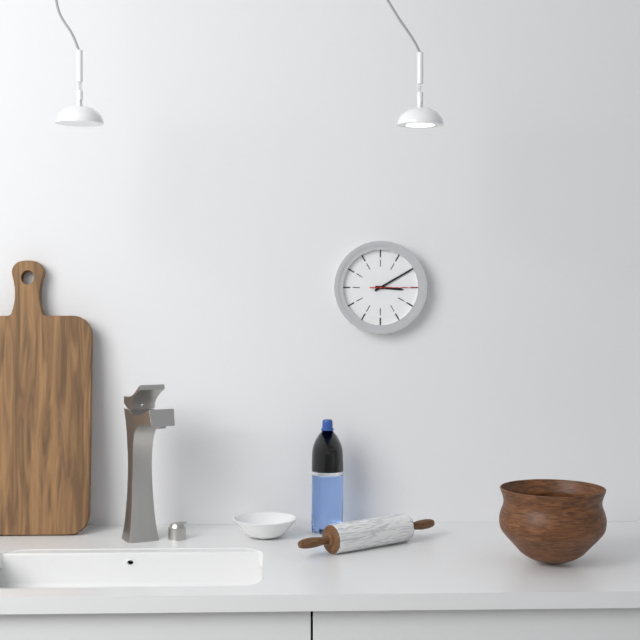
3:10
